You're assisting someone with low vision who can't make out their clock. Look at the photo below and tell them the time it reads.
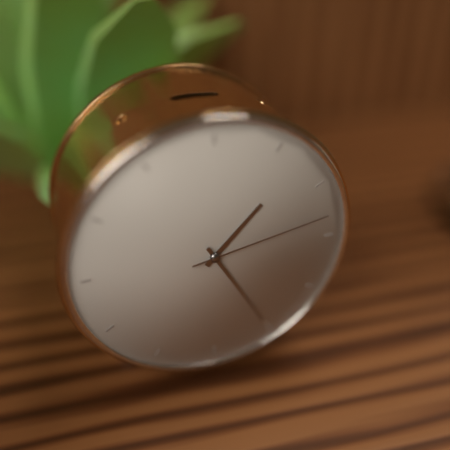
1:25:13
